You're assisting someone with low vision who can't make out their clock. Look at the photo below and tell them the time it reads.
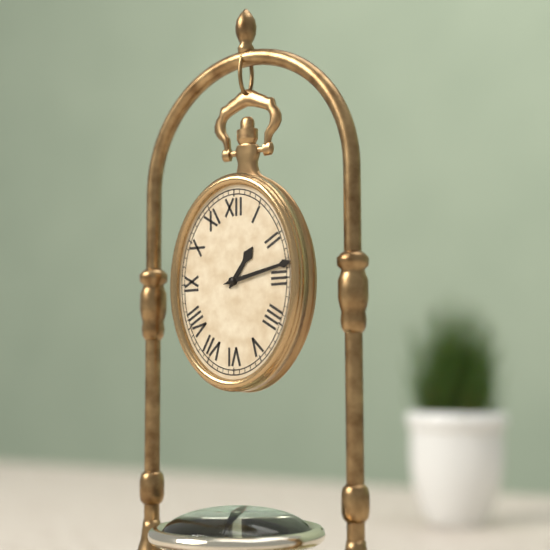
1:13
